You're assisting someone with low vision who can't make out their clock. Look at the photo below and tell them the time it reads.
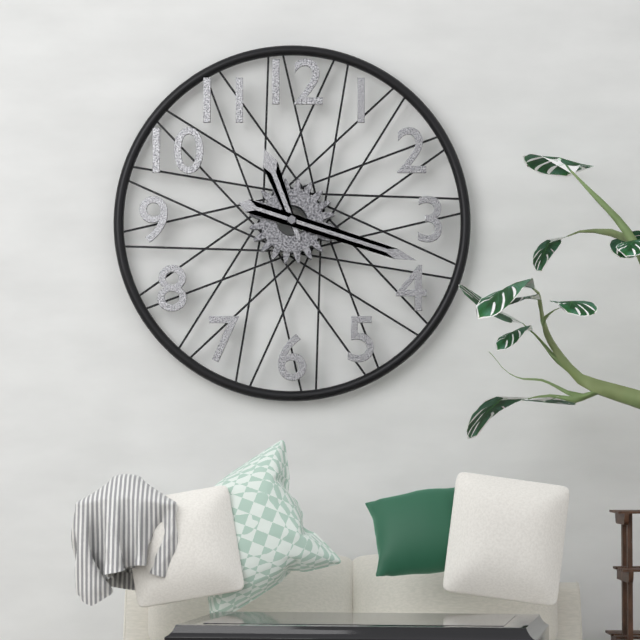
11:18
